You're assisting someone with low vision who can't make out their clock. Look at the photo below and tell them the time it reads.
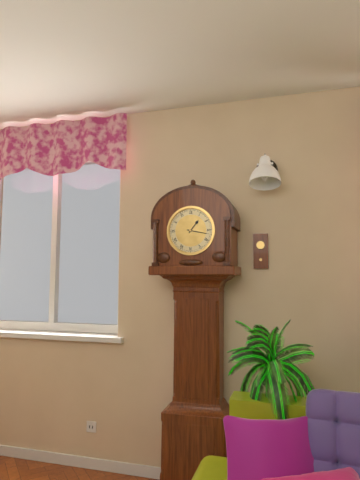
1:17
